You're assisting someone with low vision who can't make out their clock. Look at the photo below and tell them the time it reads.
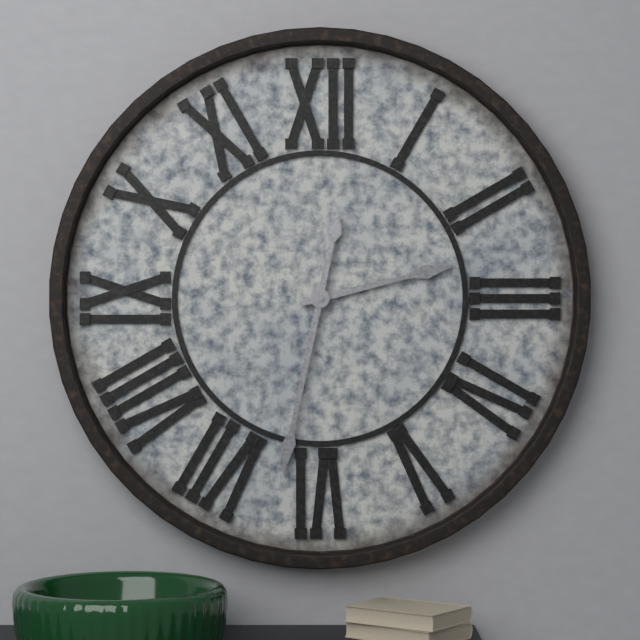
2:32
